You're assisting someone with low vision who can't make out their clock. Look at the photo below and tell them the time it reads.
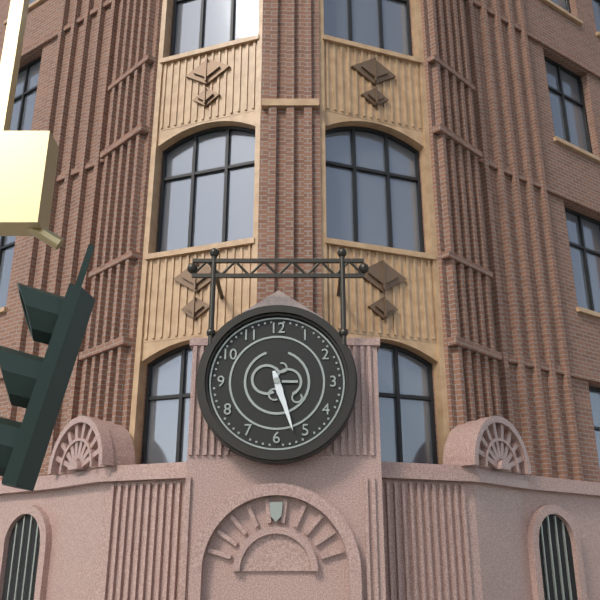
5:27
